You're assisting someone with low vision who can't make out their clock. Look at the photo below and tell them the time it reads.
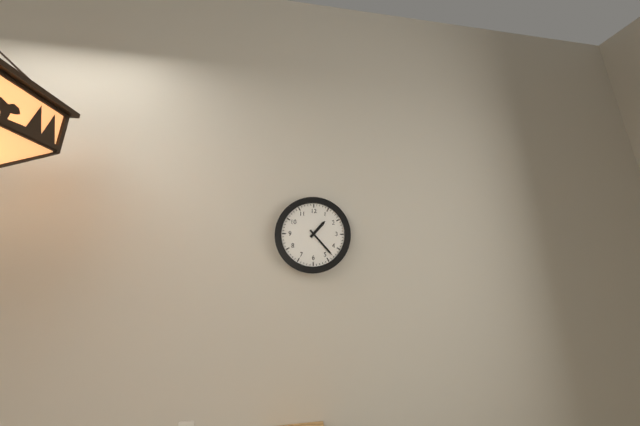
1:23
